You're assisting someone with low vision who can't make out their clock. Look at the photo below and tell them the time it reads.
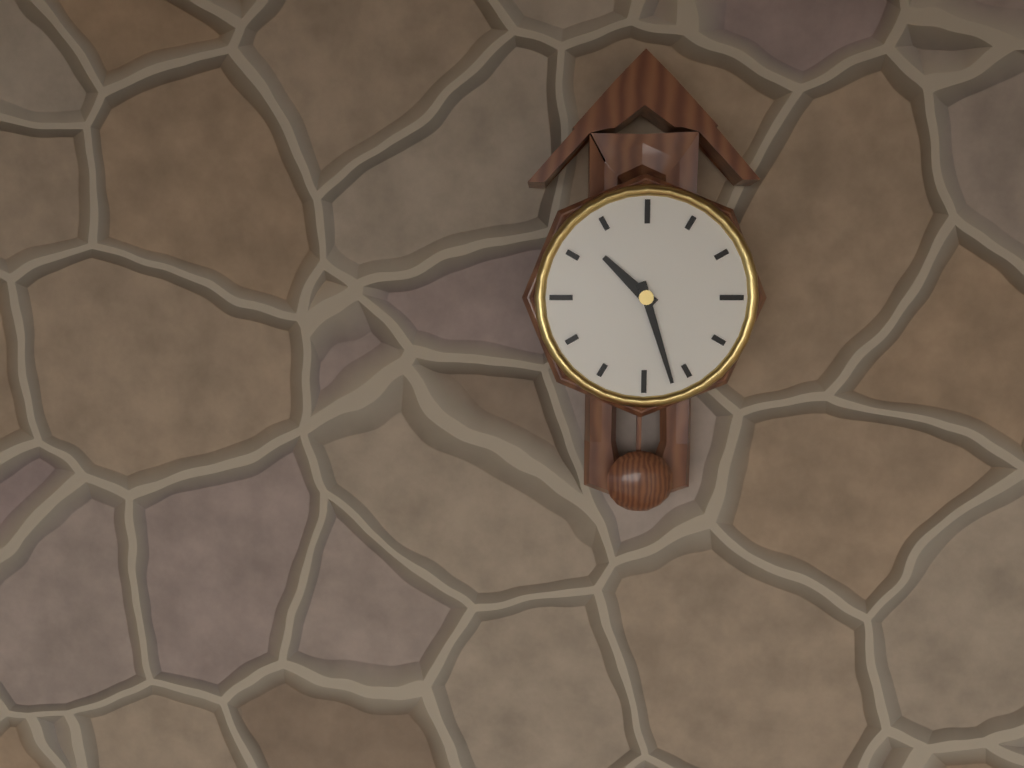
10:27
